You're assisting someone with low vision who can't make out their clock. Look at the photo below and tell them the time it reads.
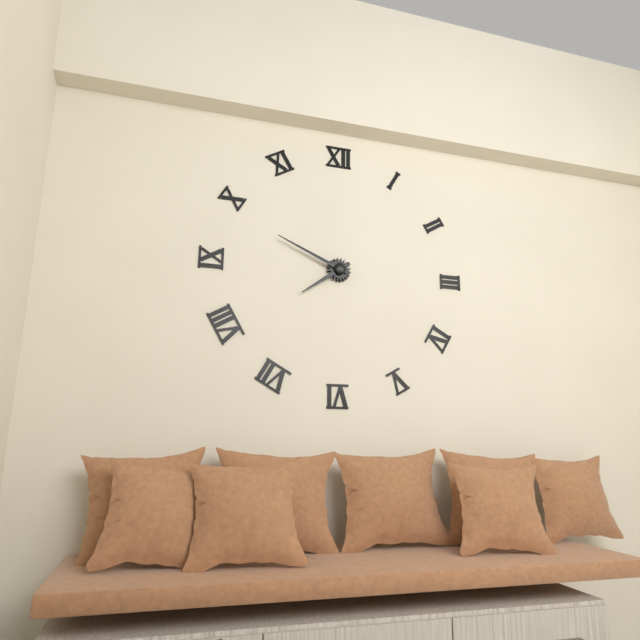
7:49
